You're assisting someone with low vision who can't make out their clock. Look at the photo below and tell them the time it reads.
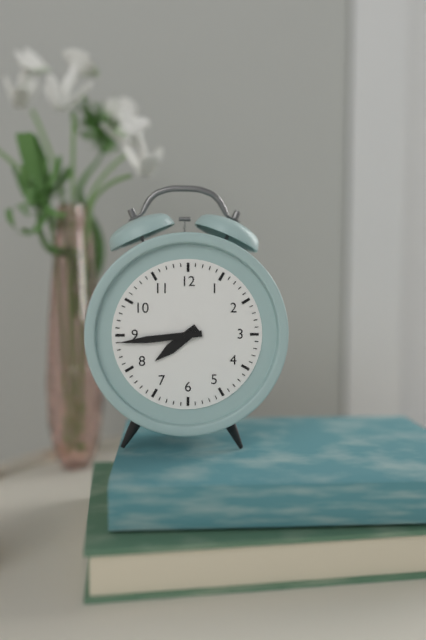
7:44
